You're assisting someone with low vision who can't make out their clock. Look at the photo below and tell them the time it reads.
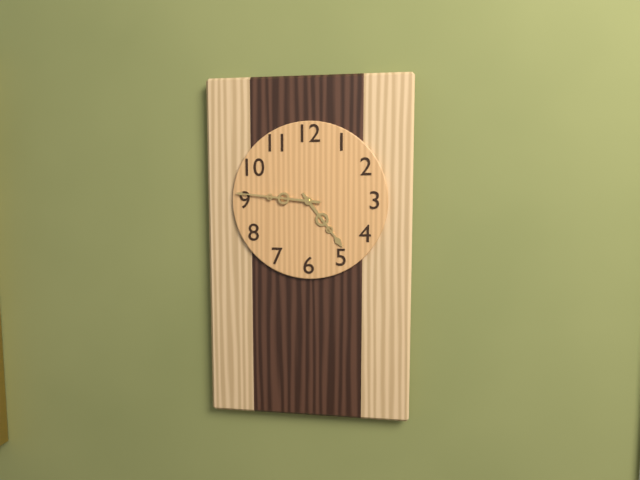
4:46
